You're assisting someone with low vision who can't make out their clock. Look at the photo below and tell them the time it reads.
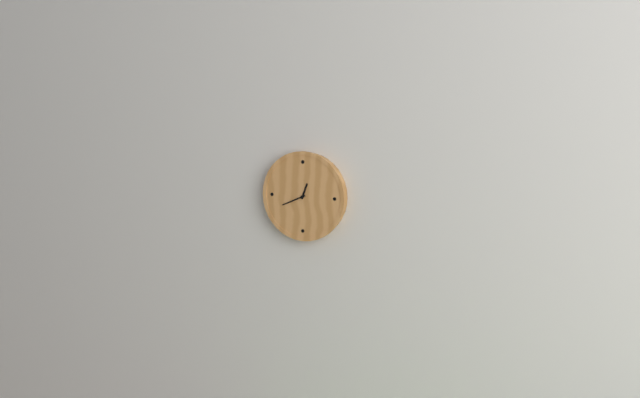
12:41
